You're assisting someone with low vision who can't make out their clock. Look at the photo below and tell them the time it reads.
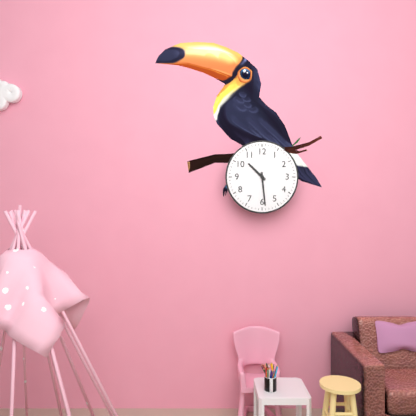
10:29
